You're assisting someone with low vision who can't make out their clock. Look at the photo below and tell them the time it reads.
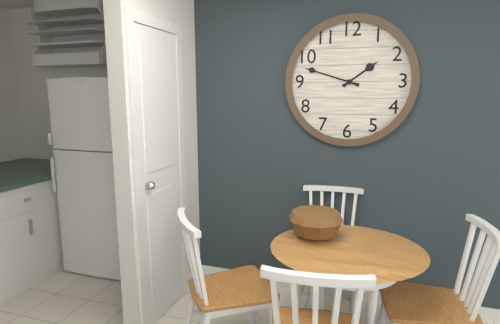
1:48
